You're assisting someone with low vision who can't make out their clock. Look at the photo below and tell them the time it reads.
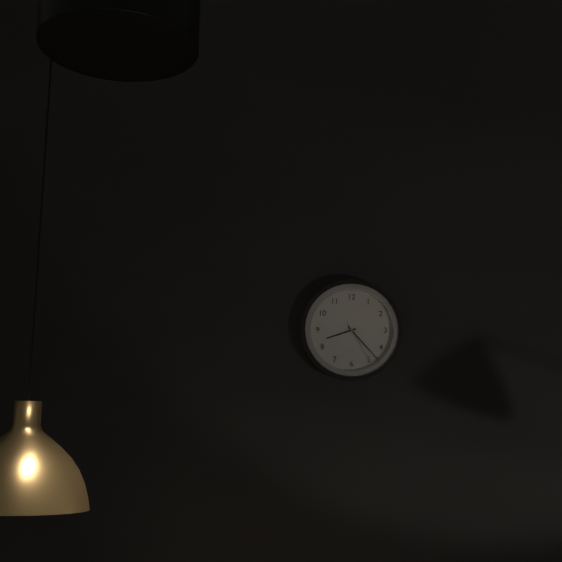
8:23
